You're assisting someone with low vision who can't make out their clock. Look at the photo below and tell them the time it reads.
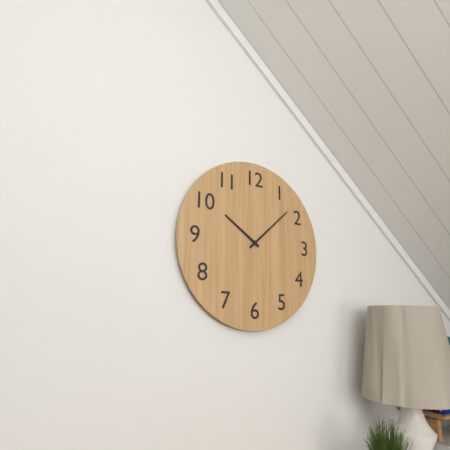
10:08
